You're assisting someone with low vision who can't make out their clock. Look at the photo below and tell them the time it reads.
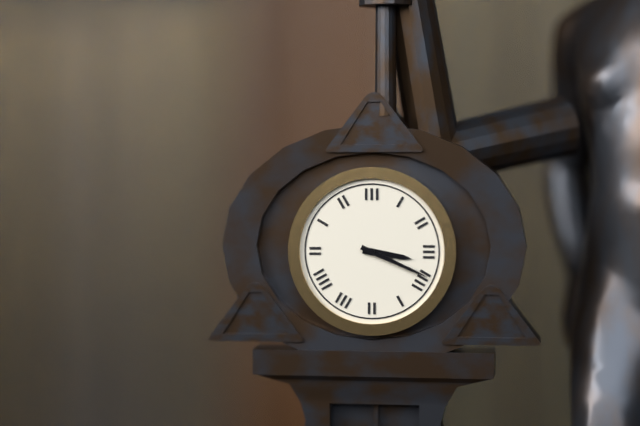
3:19
